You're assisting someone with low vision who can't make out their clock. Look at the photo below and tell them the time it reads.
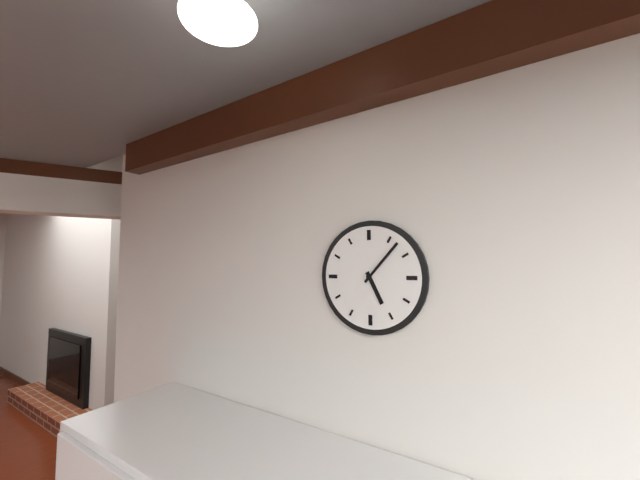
5:07
